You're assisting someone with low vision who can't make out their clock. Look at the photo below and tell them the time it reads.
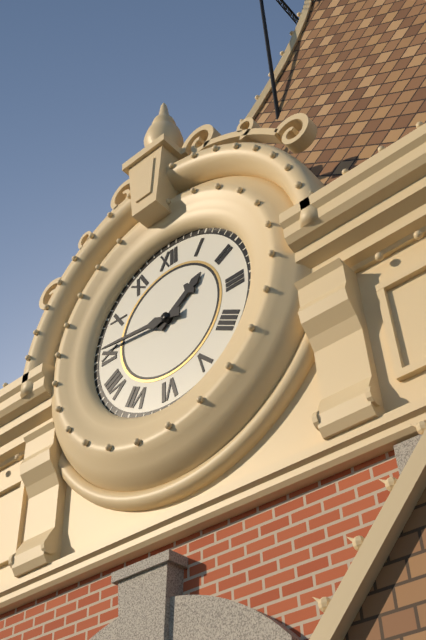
1:46
